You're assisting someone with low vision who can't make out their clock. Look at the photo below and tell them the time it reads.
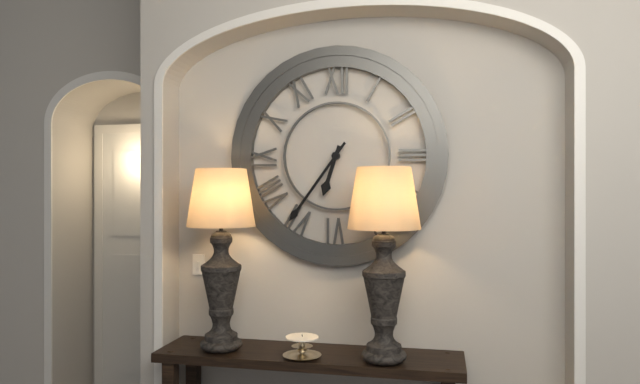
6:36
